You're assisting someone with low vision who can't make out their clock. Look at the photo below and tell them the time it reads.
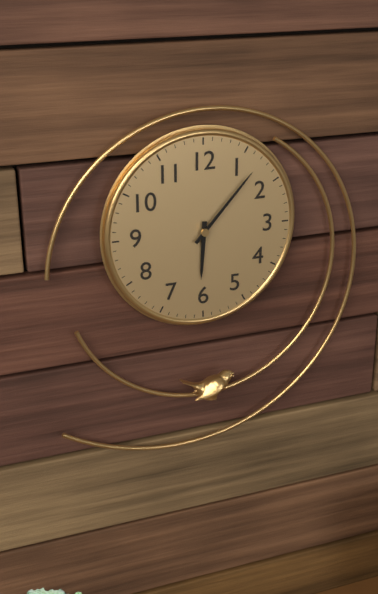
6:07
